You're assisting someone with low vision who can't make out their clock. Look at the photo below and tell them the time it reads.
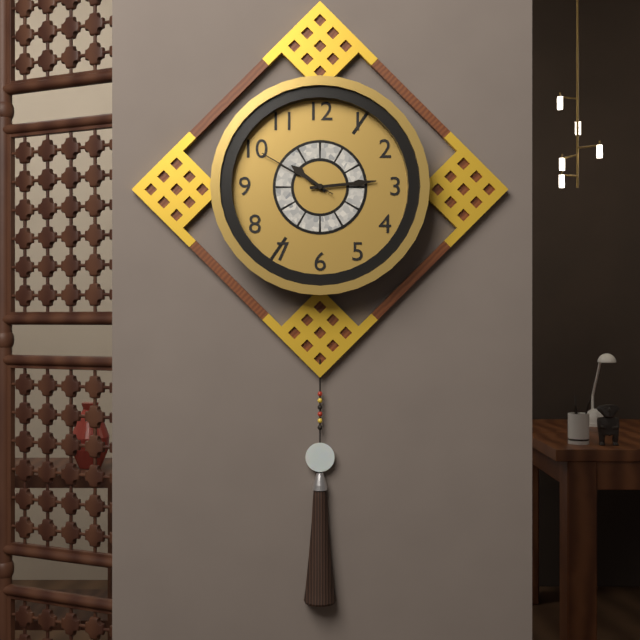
10:14:50
